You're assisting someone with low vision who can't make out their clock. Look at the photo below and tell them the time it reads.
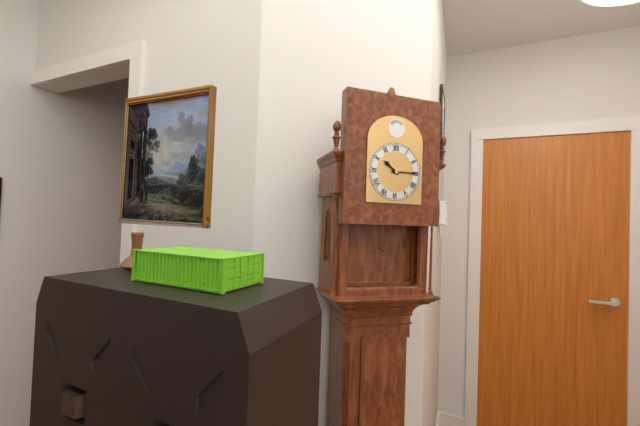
10:15
